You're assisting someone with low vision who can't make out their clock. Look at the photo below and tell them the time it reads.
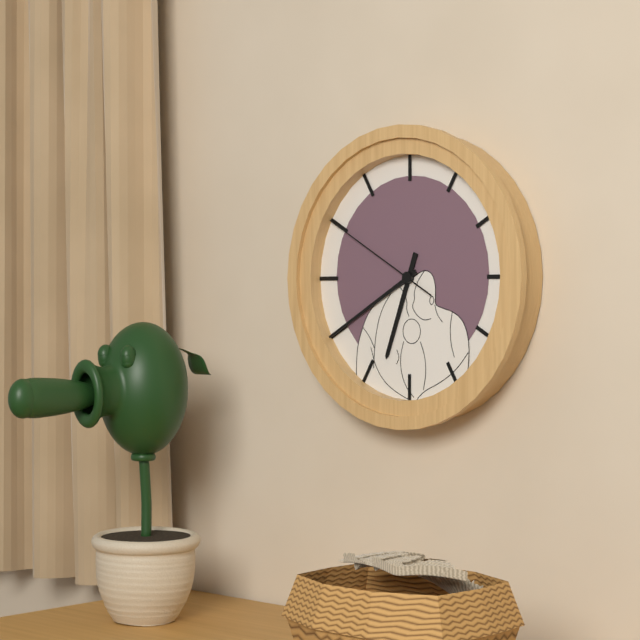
6:40:50
